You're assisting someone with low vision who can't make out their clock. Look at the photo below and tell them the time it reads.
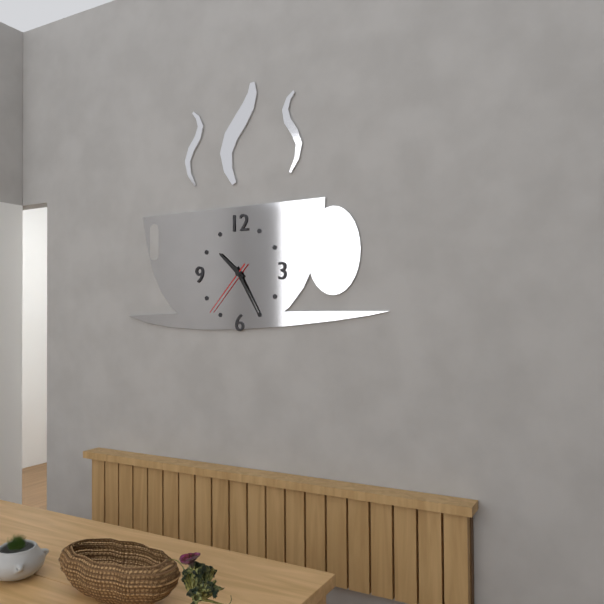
10:25:37
